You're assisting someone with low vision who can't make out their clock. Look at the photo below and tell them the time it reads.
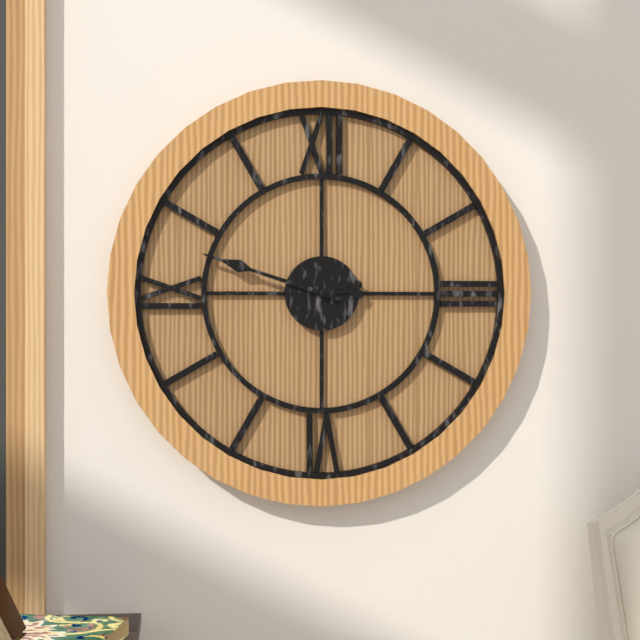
2:48
